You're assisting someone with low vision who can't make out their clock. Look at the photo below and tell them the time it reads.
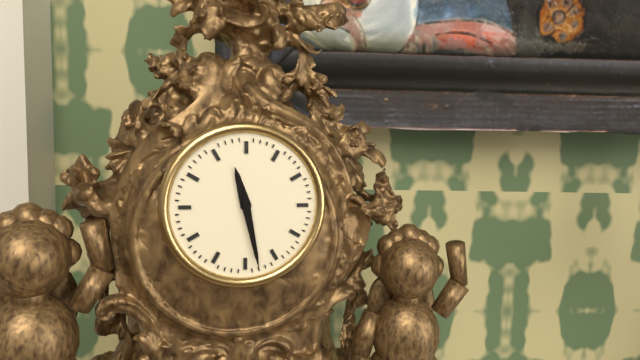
11:28
